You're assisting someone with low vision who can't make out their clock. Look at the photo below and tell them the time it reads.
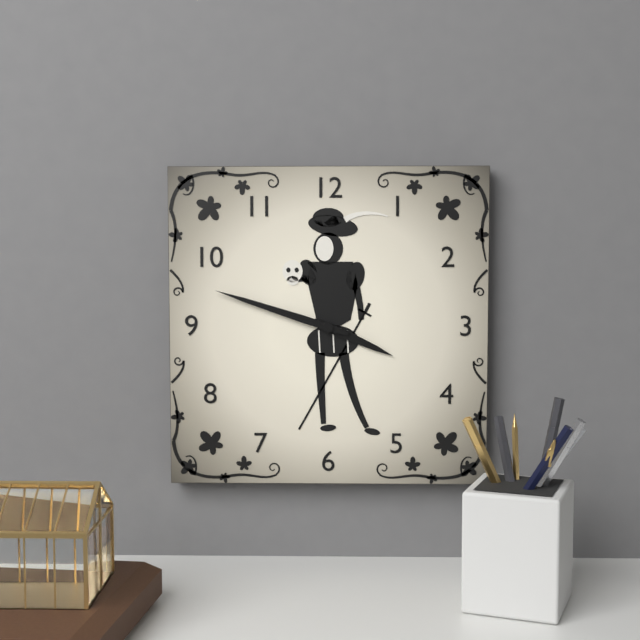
3:48
